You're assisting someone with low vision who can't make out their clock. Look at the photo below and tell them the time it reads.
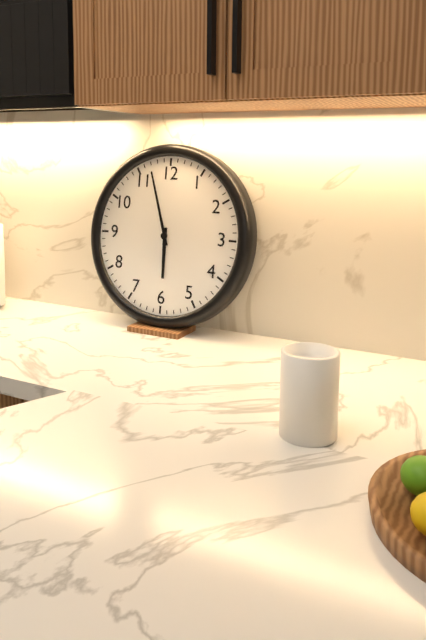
5:57
